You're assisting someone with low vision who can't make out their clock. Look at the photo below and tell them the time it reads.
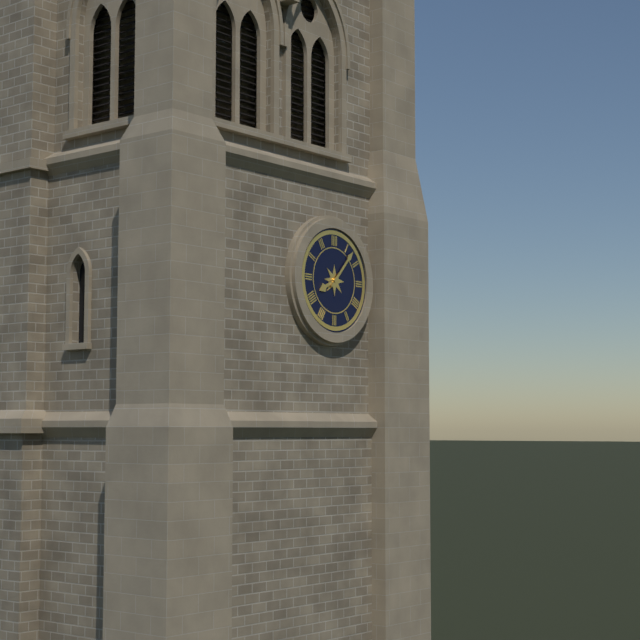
8:07
